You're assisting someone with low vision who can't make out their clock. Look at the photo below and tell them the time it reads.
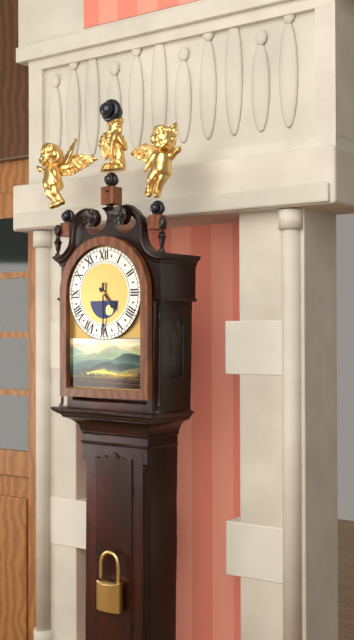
4:30
